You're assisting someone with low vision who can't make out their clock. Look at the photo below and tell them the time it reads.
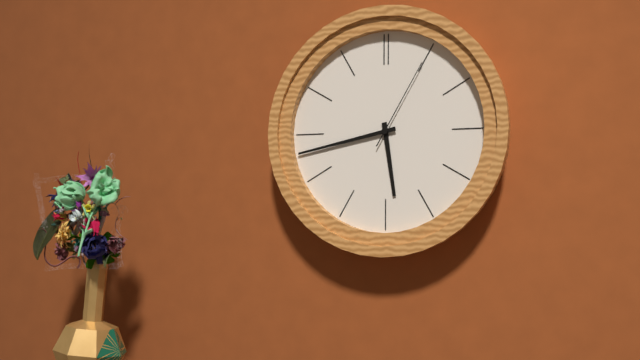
5:43:05
